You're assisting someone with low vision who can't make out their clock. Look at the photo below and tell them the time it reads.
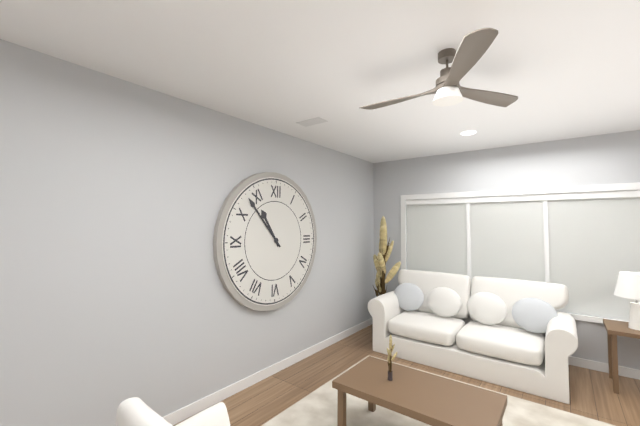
10:53
